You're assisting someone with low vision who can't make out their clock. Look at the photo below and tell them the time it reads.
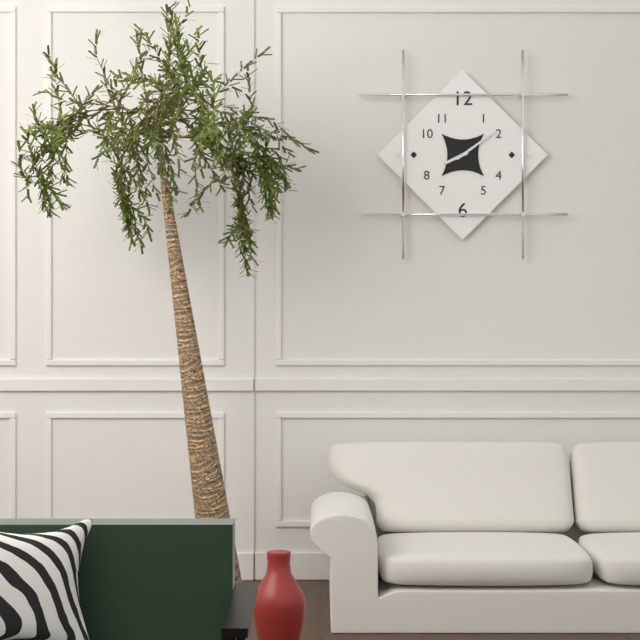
8:09
